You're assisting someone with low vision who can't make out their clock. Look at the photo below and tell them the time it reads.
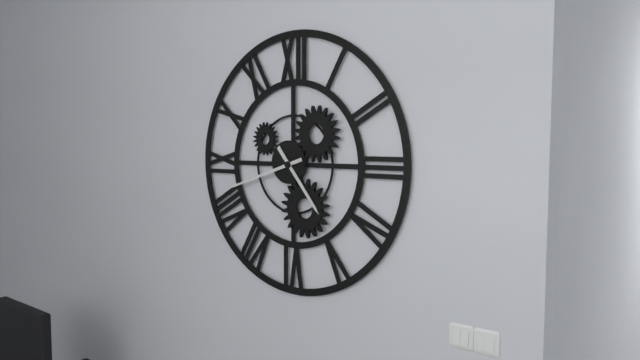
4:42
